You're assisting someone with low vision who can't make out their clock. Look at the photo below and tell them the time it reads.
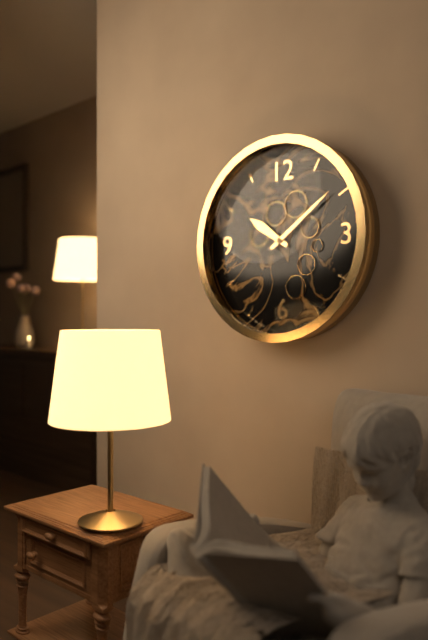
10:09
